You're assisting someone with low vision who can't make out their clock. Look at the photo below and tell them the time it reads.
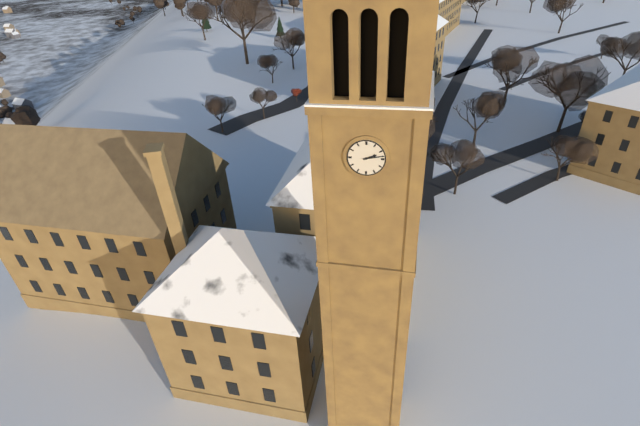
2:13
